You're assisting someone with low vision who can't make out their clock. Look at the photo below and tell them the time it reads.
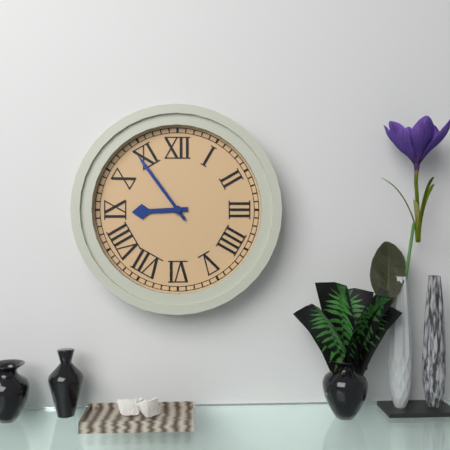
8:54
